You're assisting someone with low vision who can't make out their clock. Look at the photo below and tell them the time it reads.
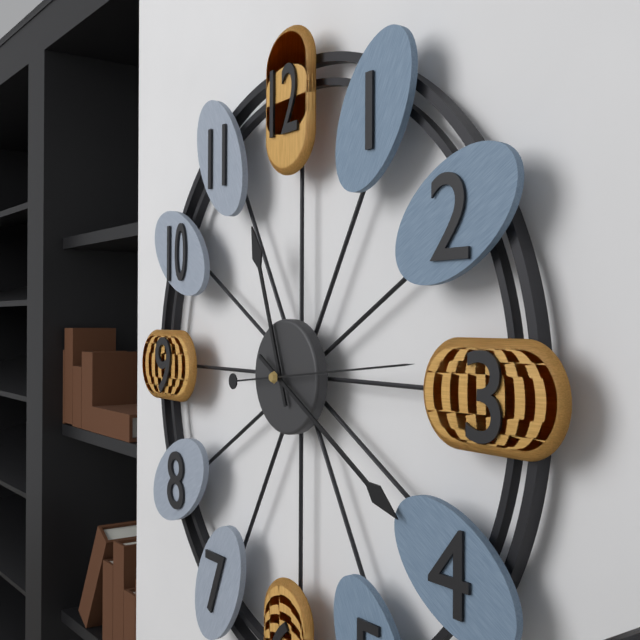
11:20:14
